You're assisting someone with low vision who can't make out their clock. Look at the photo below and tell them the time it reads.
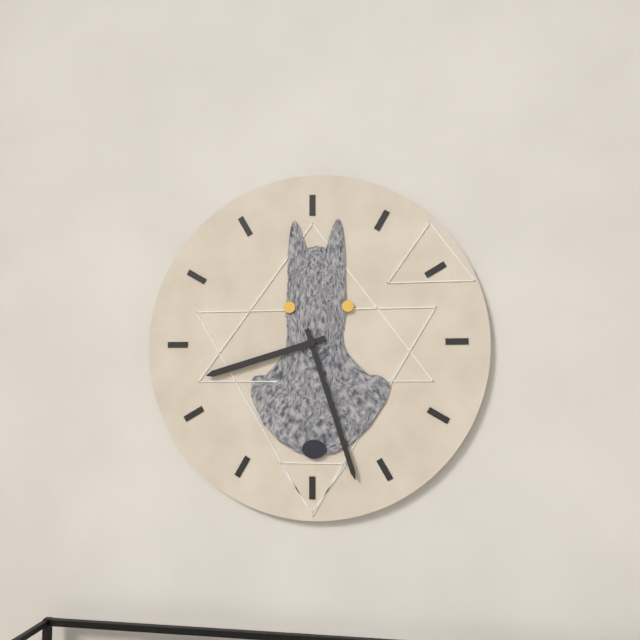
8:27
